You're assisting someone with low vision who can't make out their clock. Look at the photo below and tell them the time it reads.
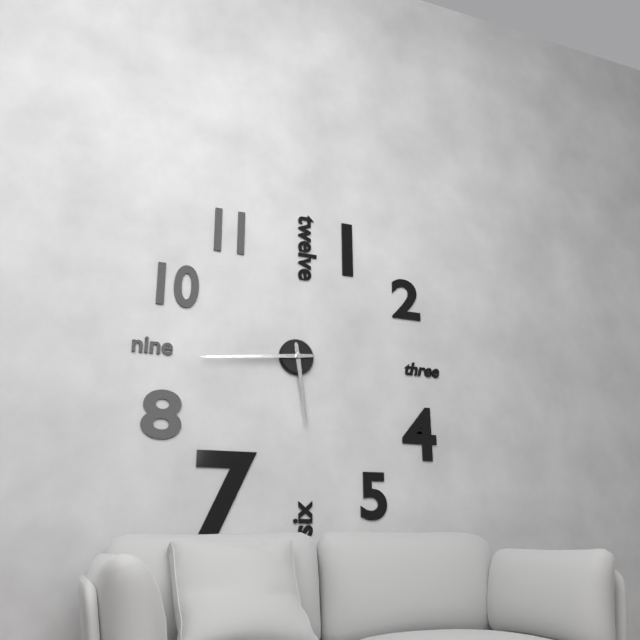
5:44
